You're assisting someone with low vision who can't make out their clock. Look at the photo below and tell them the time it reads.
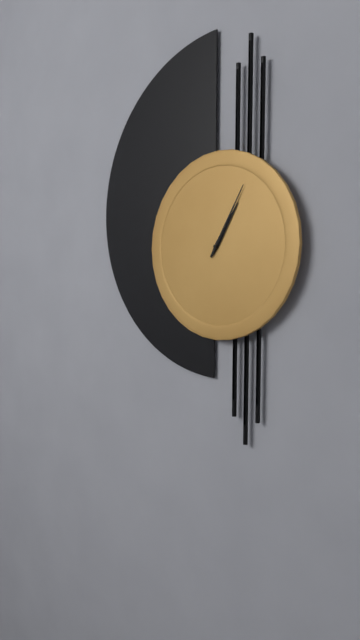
1:05
